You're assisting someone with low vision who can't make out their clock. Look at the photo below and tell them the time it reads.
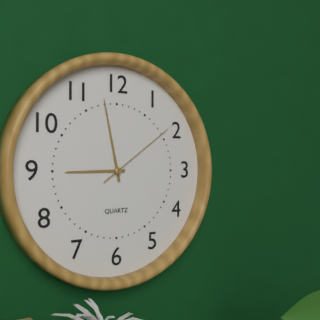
8:58:09
